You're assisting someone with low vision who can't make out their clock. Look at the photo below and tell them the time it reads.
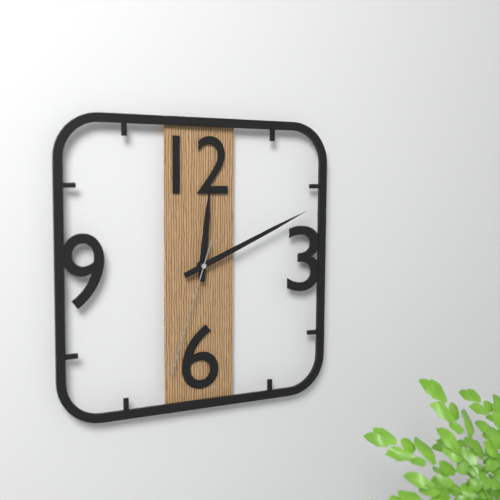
12:11:33
